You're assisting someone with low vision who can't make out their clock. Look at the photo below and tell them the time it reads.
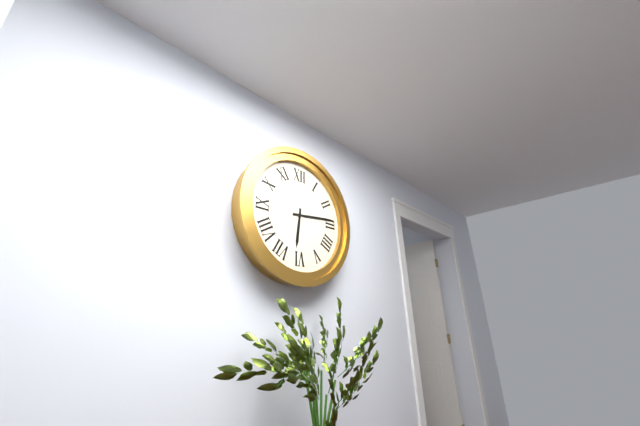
6:14
